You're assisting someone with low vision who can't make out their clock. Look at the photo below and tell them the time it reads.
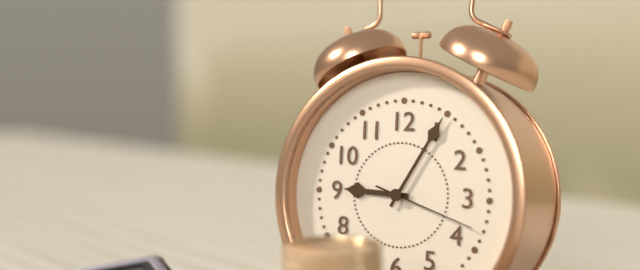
9:05:18
